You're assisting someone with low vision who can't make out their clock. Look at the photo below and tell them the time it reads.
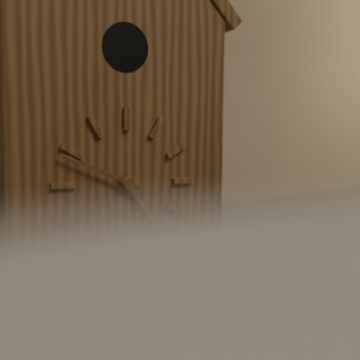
4:49
